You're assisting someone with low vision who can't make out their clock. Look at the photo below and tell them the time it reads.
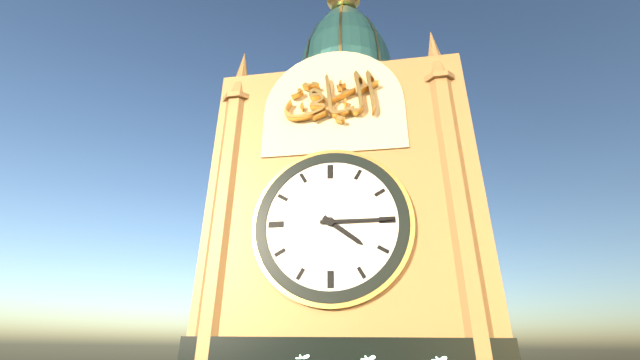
4:15
